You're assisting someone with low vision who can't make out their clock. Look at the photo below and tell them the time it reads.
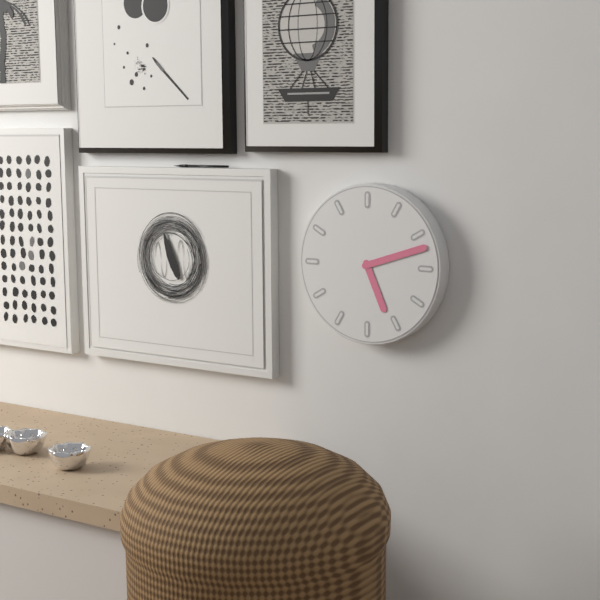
5:12
